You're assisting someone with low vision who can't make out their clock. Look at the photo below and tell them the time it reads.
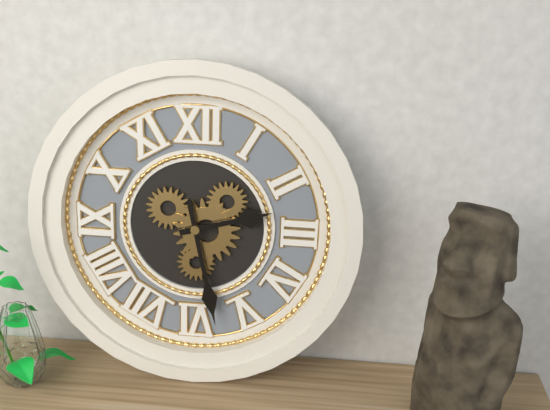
2:28
